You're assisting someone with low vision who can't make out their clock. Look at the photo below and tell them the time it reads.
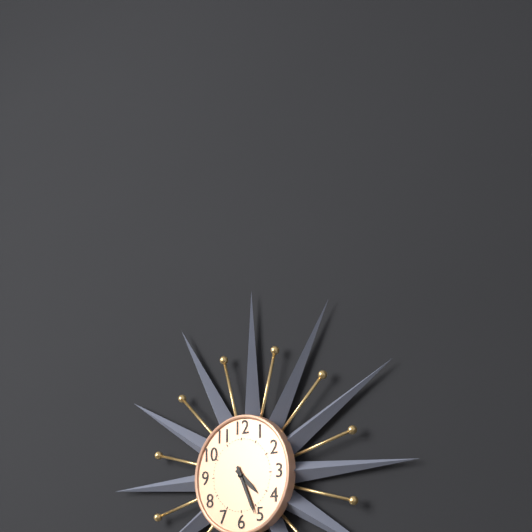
4:26
